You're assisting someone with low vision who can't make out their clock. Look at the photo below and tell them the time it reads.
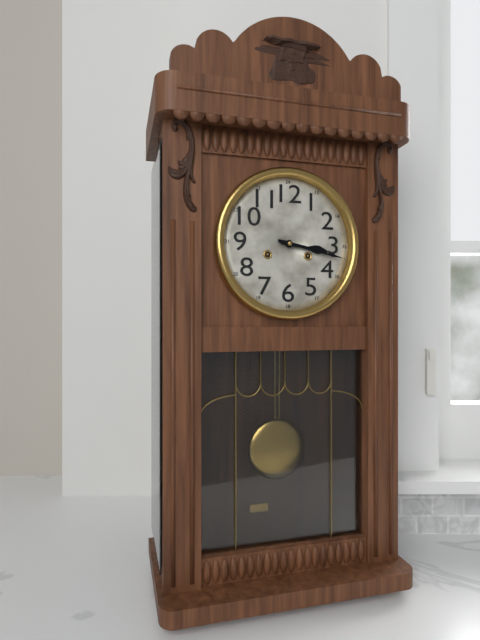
3:17
